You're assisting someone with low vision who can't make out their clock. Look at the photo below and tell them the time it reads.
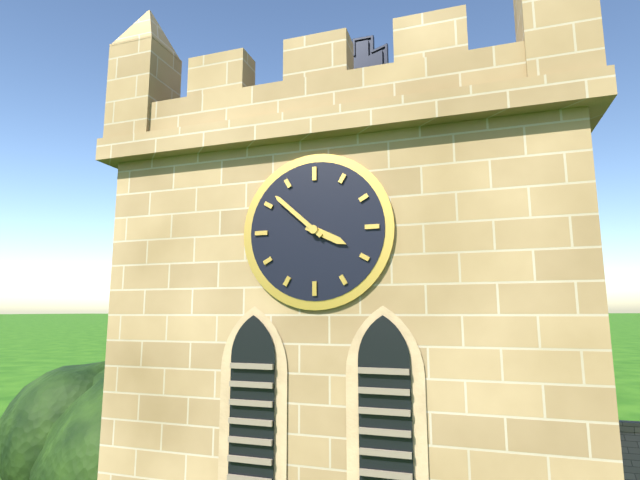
3:52
